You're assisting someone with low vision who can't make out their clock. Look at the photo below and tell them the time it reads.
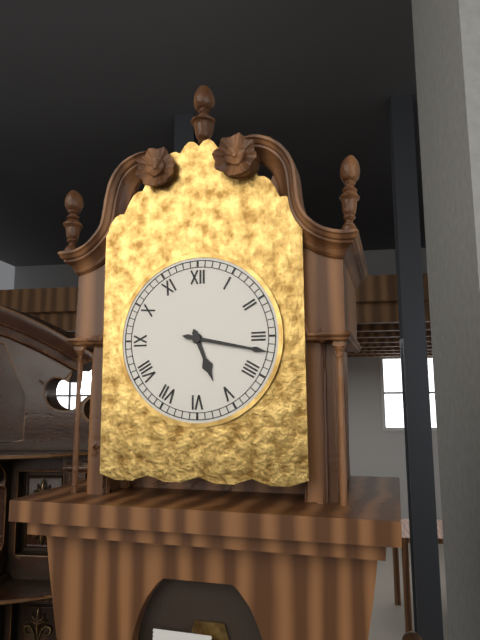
5:17
